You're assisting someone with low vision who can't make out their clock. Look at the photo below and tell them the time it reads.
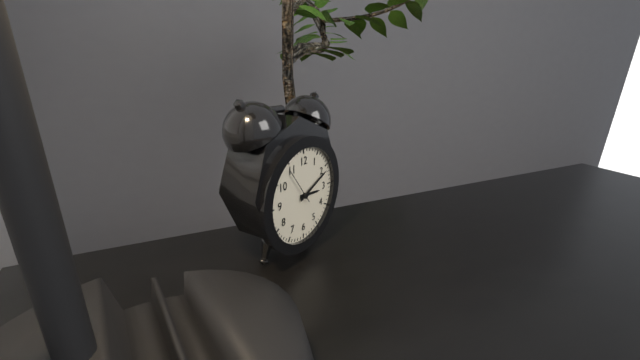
3:11
